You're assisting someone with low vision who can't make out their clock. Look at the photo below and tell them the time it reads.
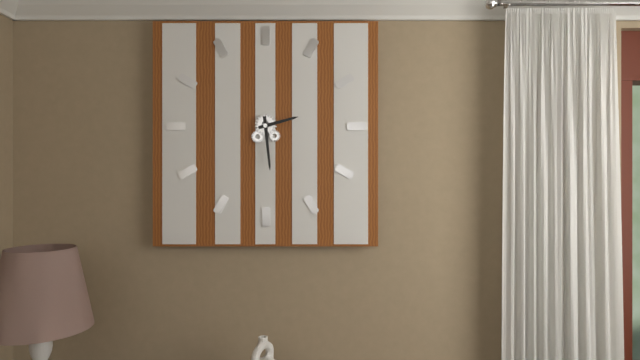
2:29
